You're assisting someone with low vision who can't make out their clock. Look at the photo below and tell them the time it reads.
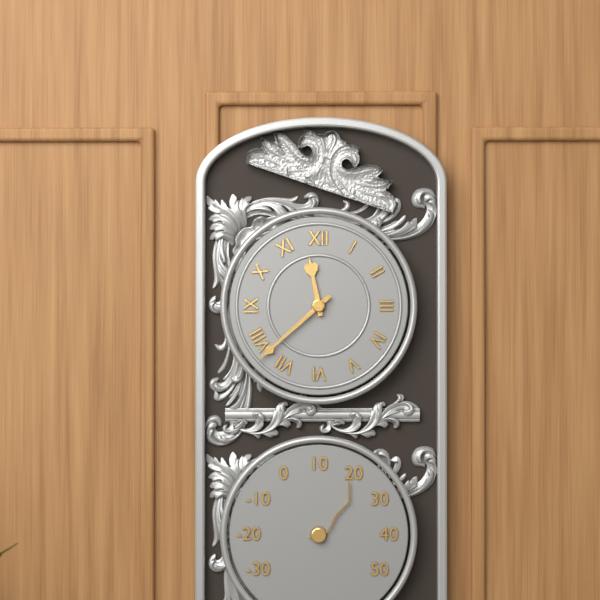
11:38
